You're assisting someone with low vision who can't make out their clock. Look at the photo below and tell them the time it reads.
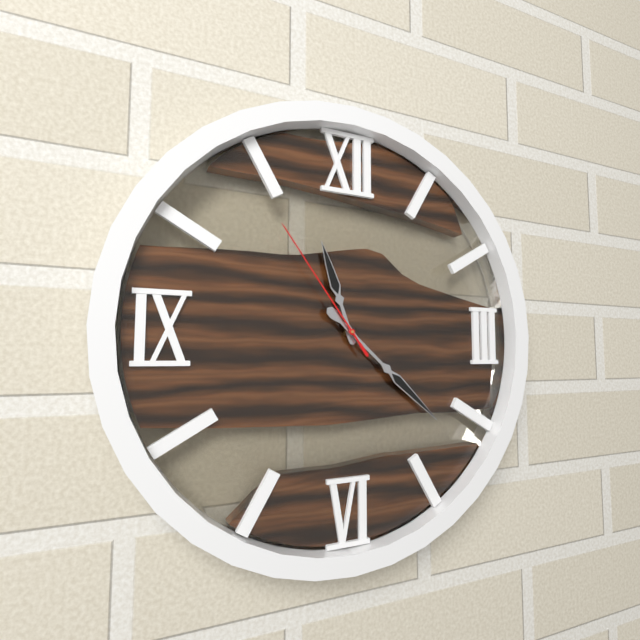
11:22:54
